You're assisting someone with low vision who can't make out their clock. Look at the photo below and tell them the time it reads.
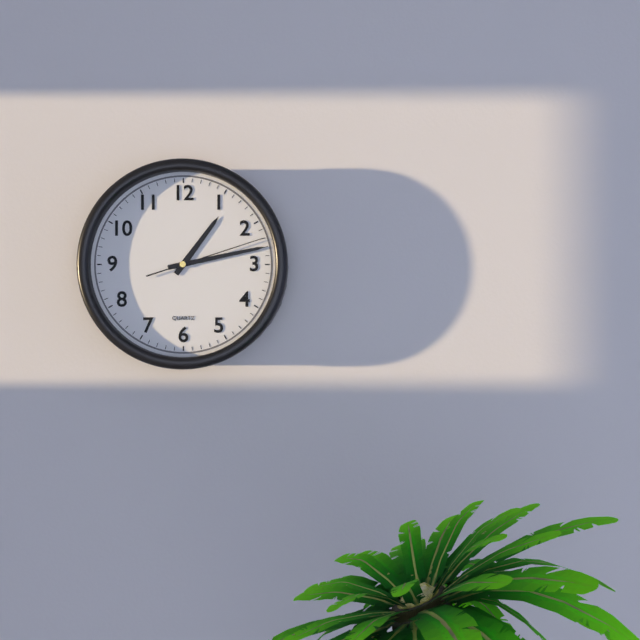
1:13:12
